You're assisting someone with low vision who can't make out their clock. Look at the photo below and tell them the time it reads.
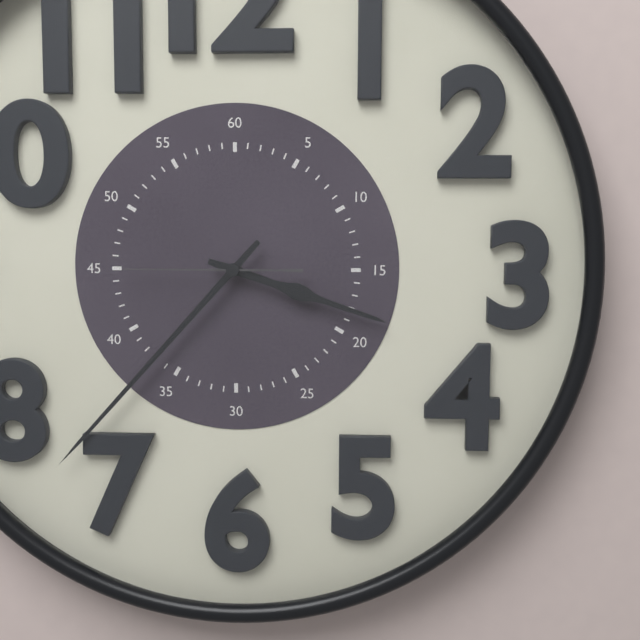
3:37:45
